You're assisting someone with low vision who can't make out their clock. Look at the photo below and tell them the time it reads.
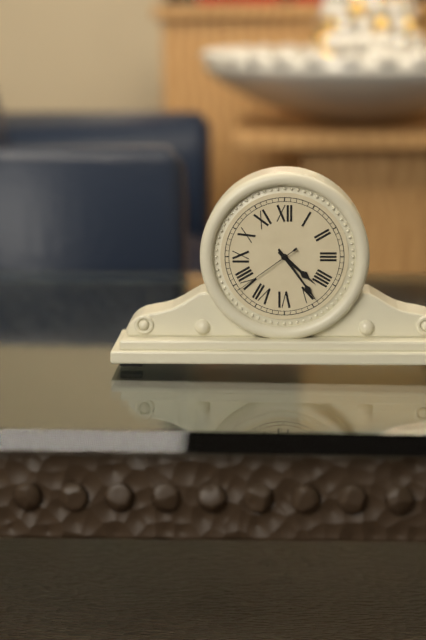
4:24:39
